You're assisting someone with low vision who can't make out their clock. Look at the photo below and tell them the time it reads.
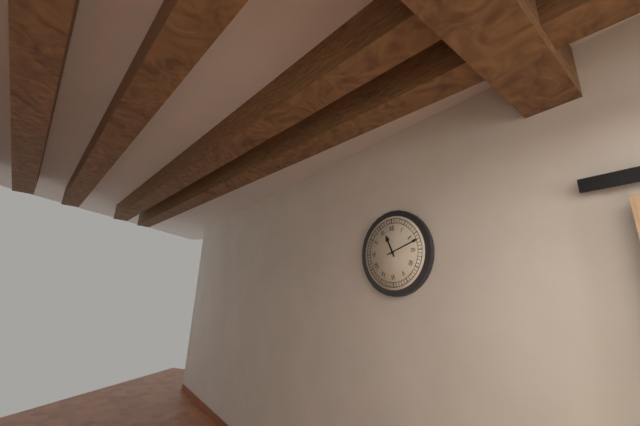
11:12
